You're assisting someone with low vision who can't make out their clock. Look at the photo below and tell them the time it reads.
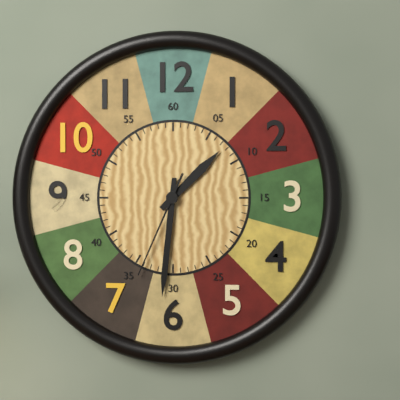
1:31:34
